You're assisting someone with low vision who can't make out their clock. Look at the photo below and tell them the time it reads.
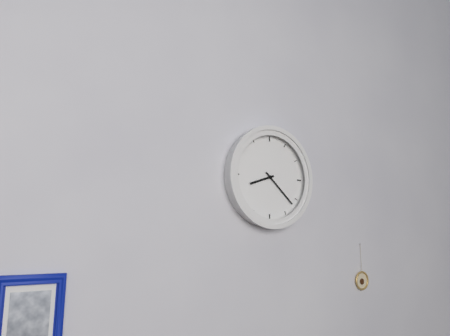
8:22
